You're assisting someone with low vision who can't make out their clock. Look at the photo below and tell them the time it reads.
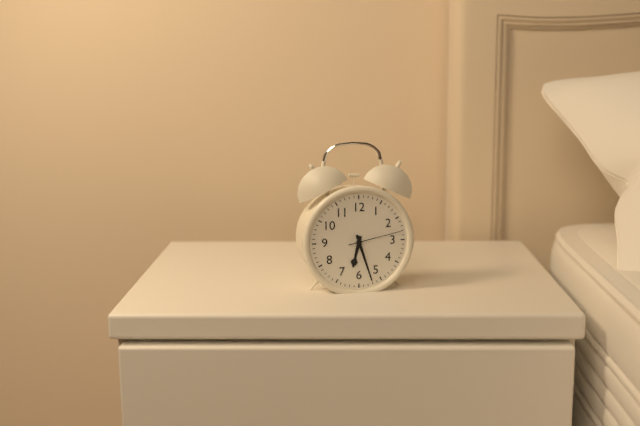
6:27:13
